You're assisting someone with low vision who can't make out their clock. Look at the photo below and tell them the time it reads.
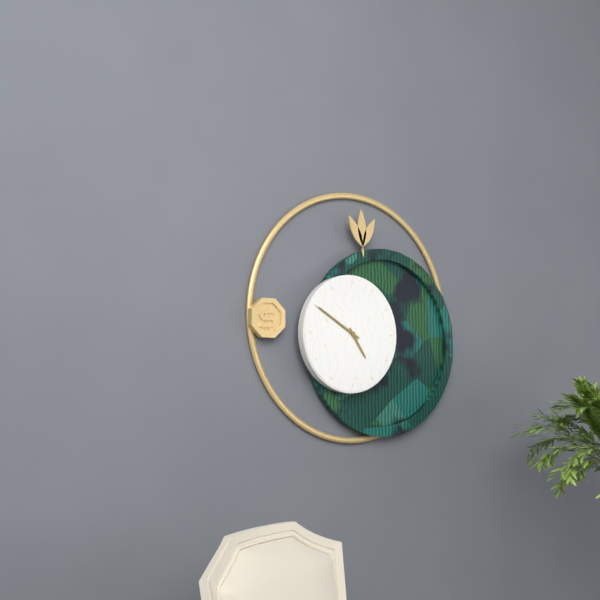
4:50
